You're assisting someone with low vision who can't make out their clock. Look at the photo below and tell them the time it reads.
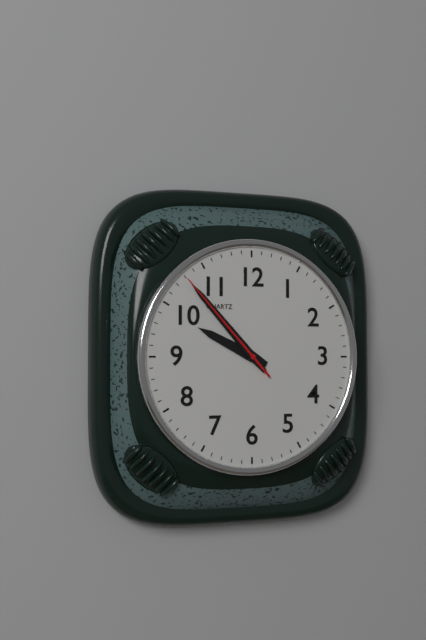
9:53:53
